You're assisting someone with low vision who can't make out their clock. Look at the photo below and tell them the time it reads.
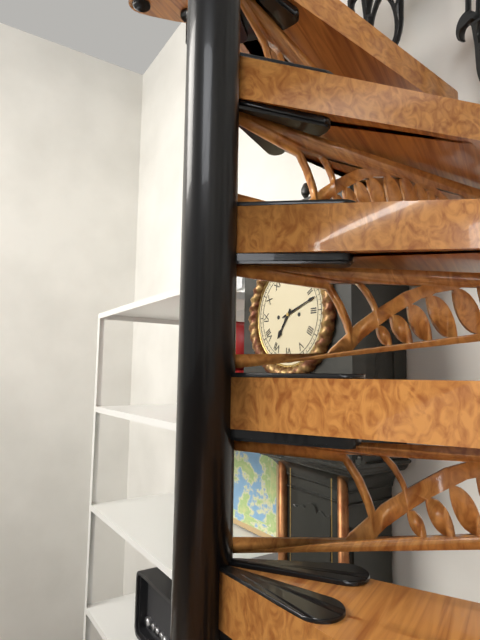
7:12
